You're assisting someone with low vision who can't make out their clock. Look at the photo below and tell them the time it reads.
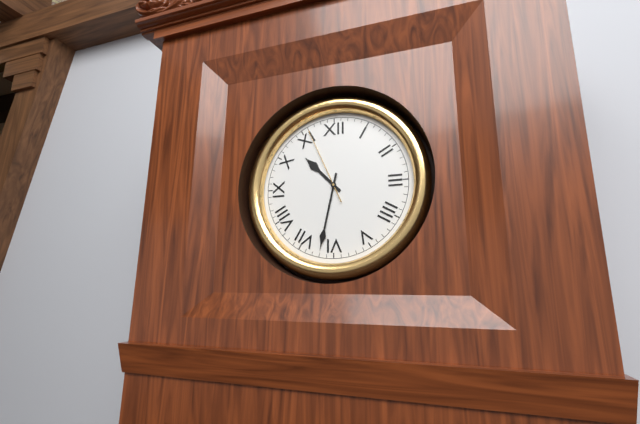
10:32:56
